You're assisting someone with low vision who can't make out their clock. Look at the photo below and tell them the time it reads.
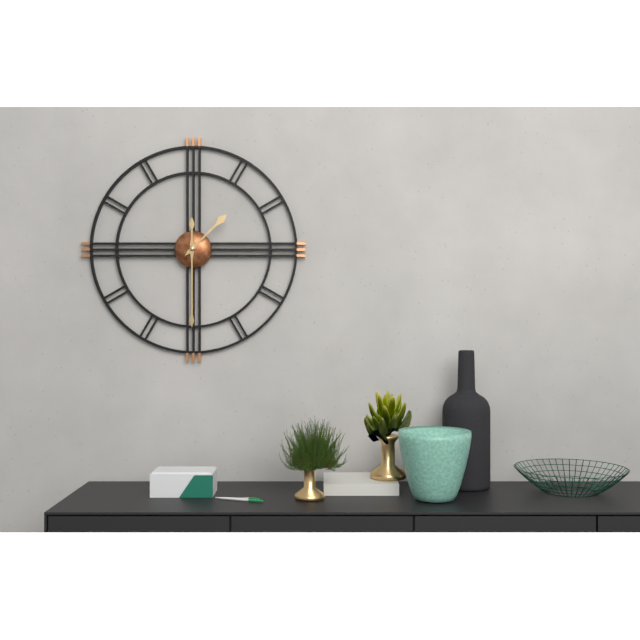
1:30
